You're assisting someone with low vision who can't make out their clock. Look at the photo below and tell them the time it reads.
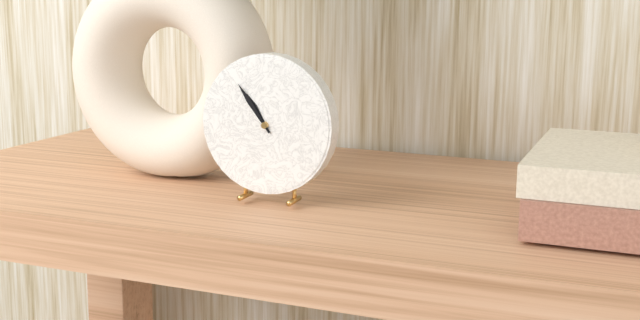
10:54
